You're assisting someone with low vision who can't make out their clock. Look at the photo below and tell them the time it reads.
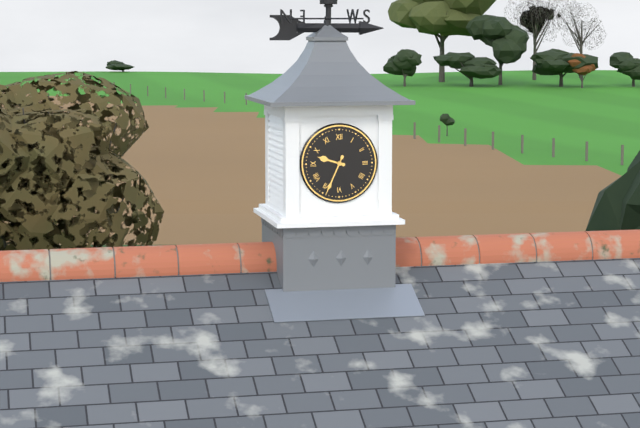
9:34
